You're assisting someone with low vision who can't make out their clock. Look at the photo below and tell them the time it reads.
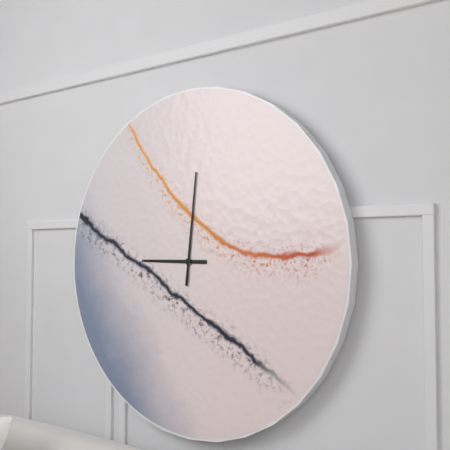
9:01
